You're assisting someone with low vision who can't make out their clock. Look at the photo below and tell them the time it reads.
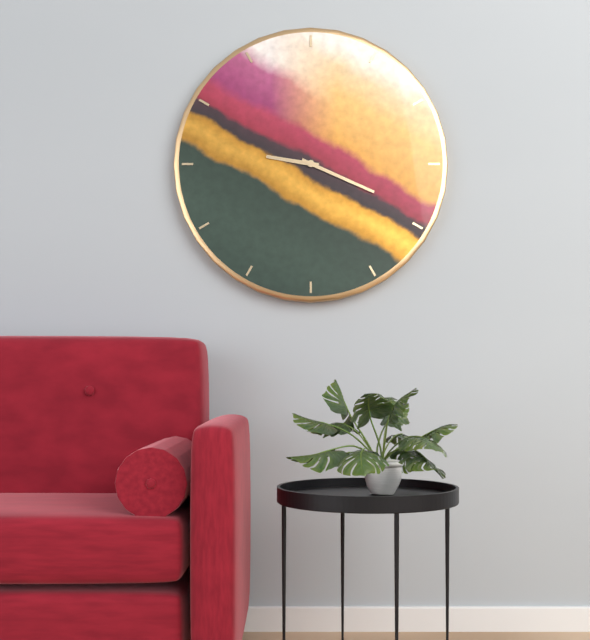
9:19
